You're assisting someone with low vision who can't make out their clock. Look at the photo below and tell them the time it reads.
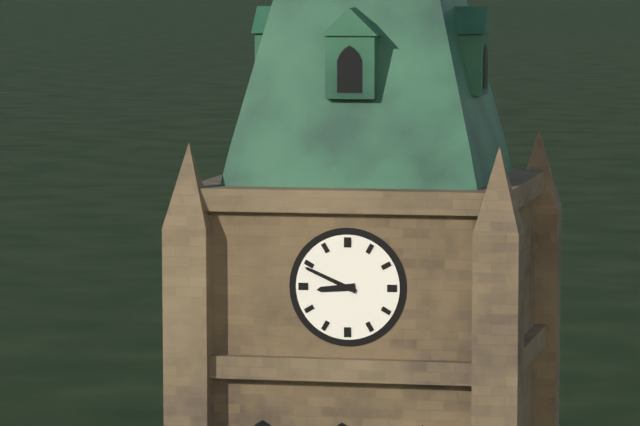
8:49
